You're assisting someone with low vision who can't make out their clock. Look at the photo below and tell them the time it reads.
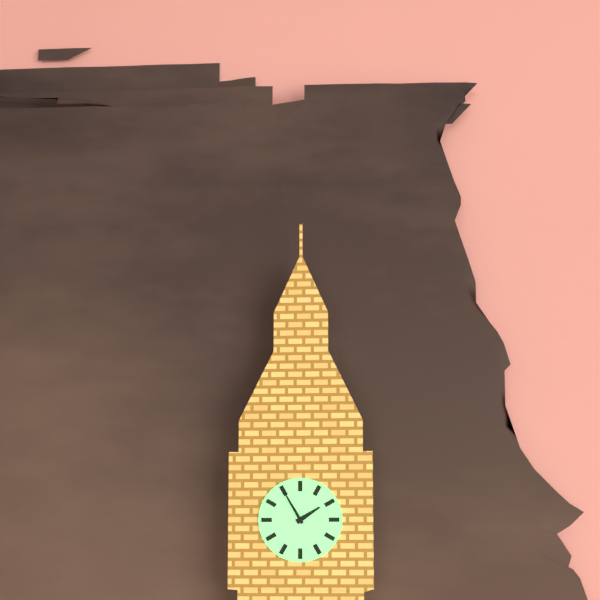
1:55
